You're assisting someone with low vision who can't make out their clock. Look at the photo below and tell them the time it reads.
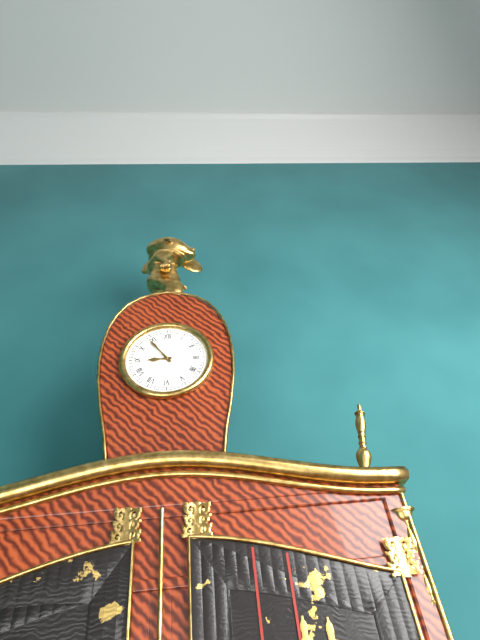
8:54
